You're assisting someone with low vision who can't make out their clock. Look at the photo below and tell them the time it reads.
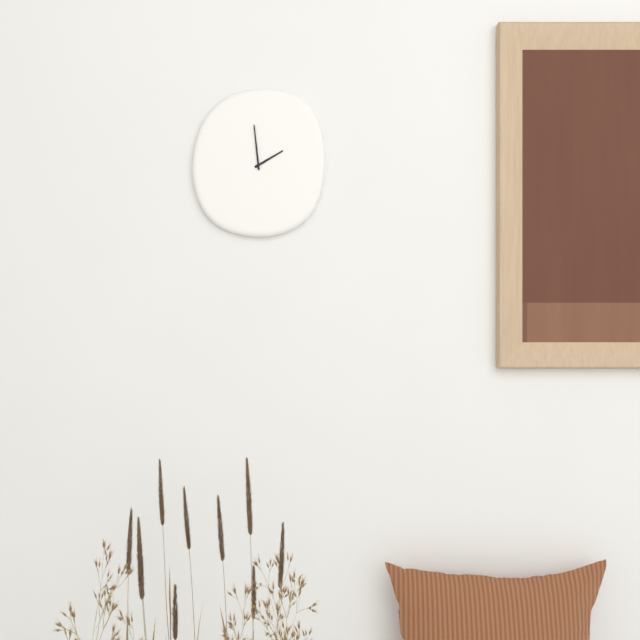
1:59
